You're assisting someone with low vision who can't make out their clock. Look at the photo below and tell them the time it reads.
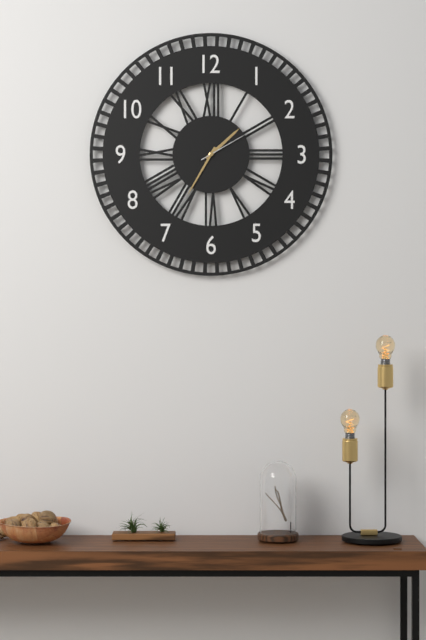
1:35:10
